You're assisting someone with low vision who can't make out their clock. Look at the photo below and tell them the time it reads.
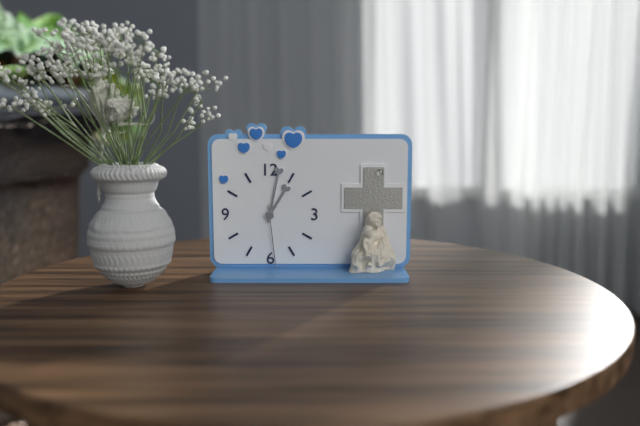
1:02:29
